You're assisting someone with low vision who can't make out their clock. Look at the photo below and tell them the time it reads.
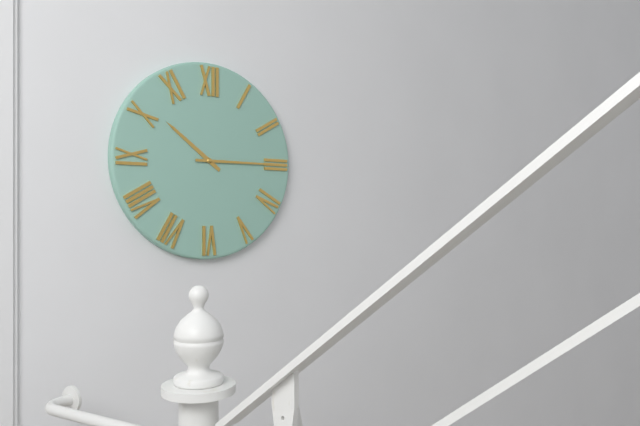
10:15
